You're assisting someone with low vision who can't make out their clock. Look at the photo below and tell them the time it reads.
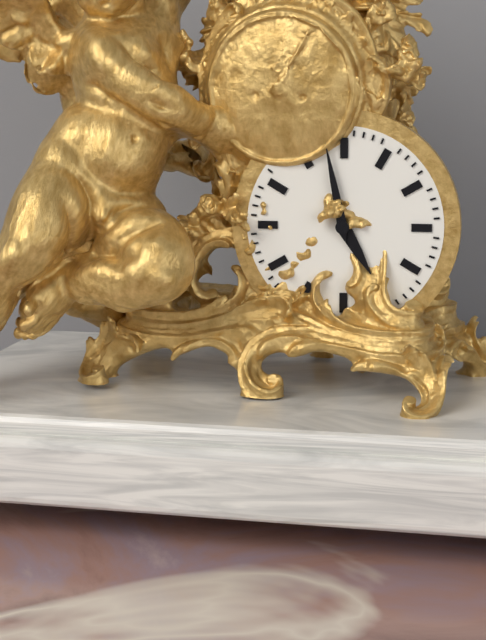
4:58
